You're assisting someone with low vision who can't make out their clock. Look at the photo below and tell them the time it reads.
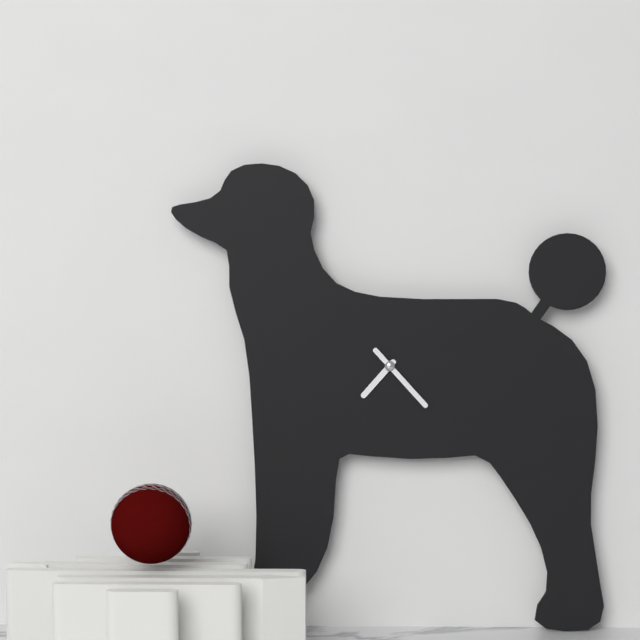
7:23
